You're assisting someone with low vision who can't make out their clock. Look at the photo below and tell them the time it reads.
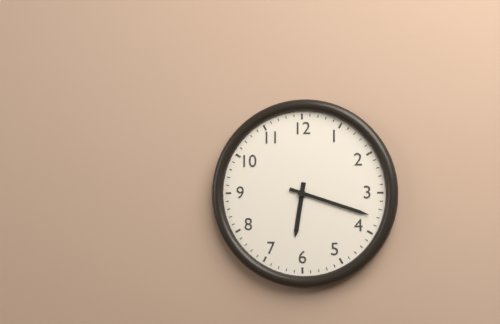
6:18
